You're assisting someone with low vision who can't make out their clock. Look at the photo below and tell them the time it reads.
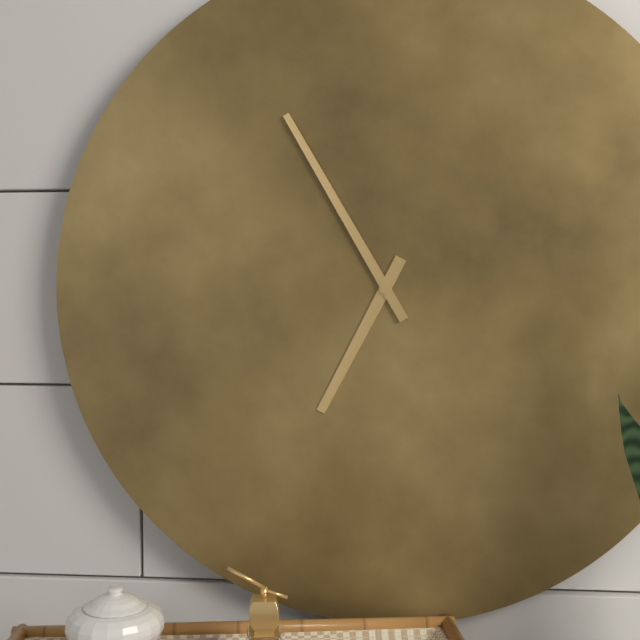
6:55
